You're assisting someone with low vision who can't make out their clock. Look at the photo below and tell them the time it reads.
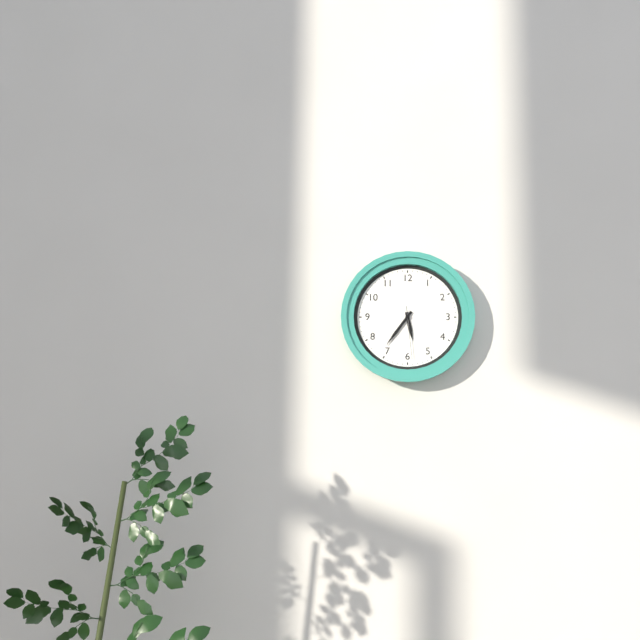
5:36:29
